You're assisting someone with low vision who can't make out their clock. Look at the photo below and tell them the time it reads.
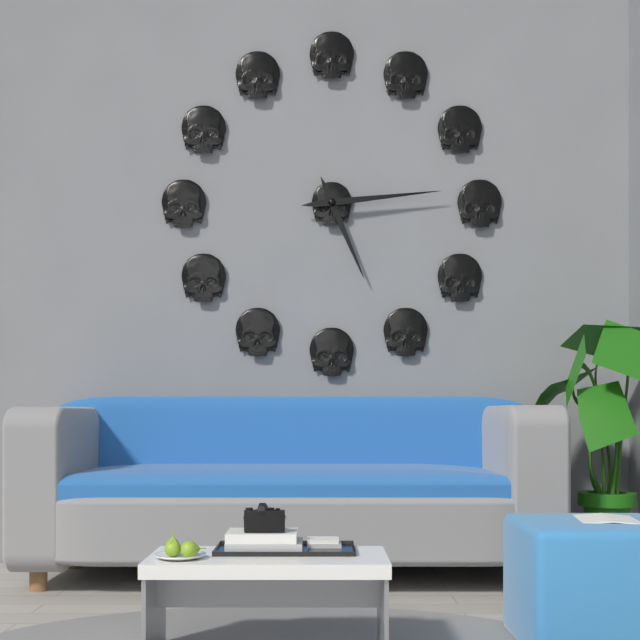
5:14
